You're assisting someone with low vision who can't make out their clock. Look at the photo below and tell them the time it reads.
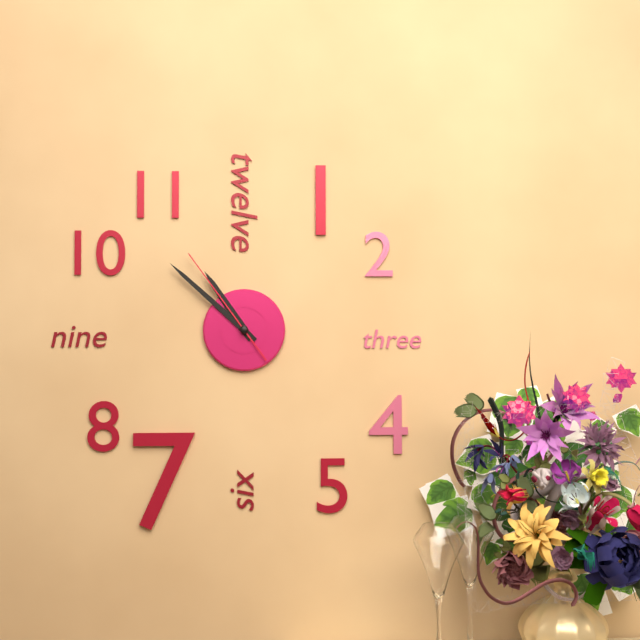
10:52:54
